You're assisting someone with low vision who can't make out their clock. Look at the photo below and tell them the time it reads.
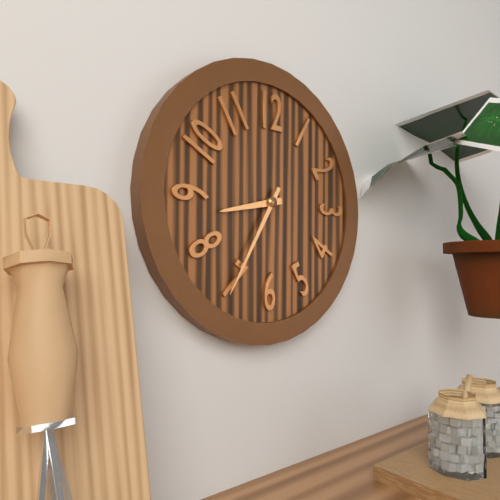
8:35
